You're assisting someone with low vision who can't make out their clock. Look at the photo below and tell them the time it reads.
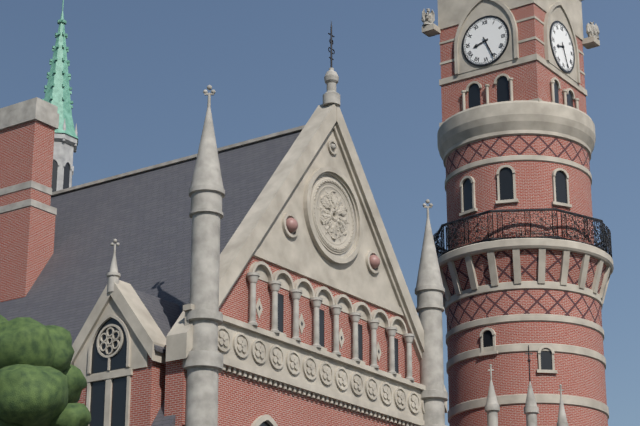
8:26
